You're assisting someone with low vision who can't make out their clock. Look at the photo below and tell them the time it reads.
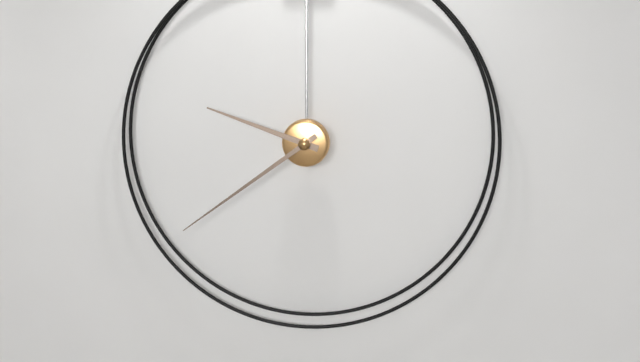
9:39
